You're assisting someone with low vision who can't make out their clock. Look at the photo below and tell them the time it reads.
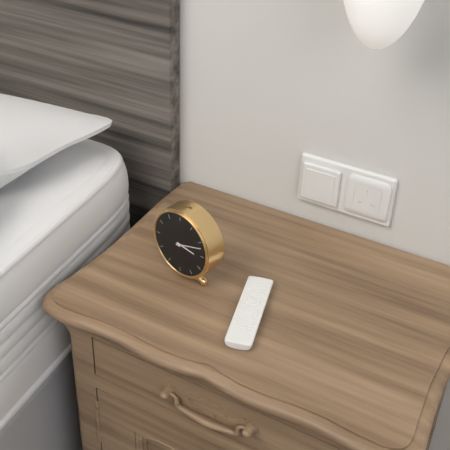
3:12
